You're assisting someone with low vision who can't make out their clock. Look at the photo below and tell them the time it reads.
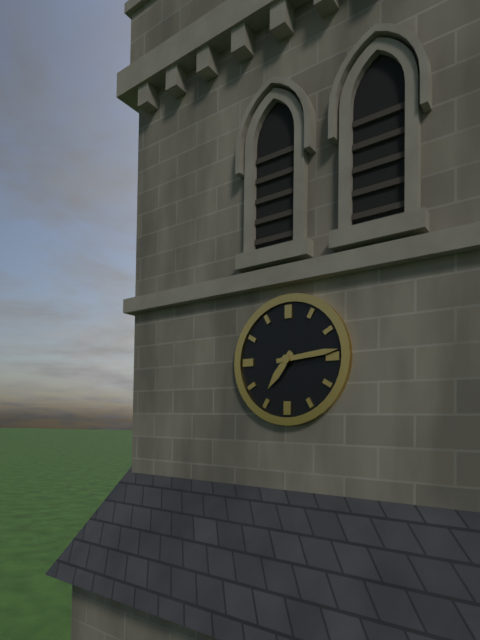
7:14
